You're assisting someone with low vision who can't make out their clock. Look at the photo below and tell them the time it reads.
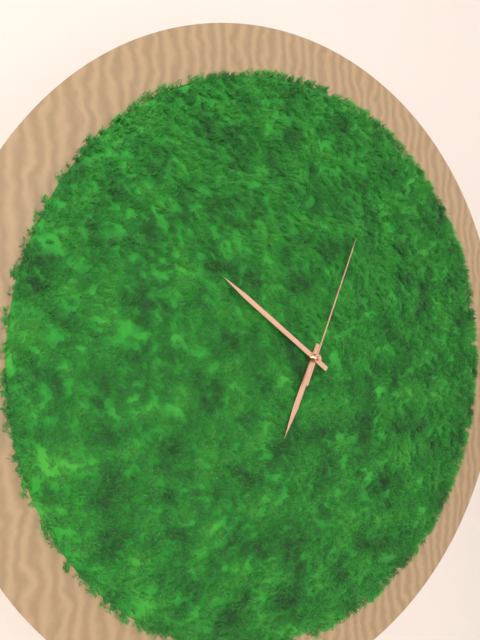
6:51:04
